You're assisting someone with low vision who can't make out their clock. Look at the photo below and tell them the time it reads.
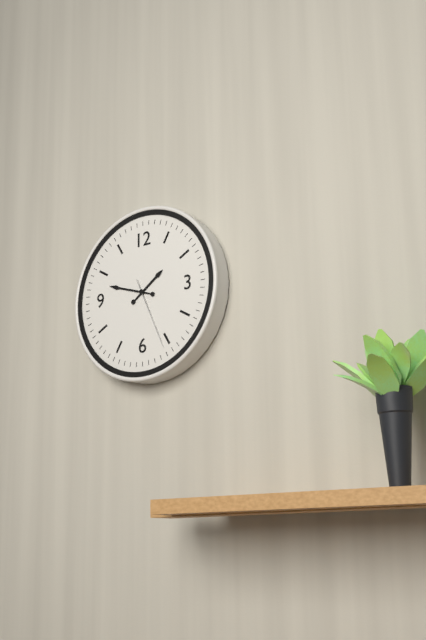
1:48:26
